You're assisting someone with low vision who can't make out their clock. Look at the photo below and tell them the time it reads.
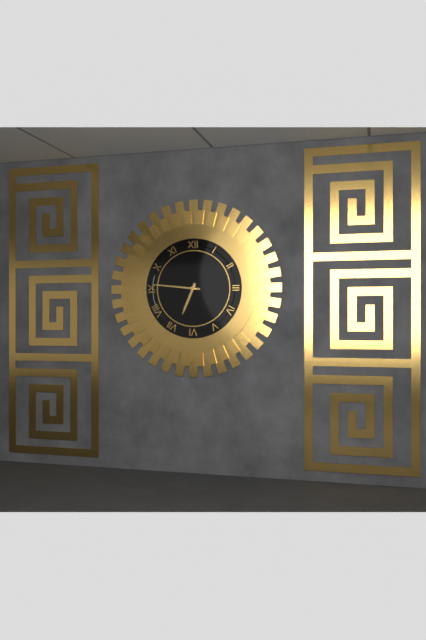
6:46
